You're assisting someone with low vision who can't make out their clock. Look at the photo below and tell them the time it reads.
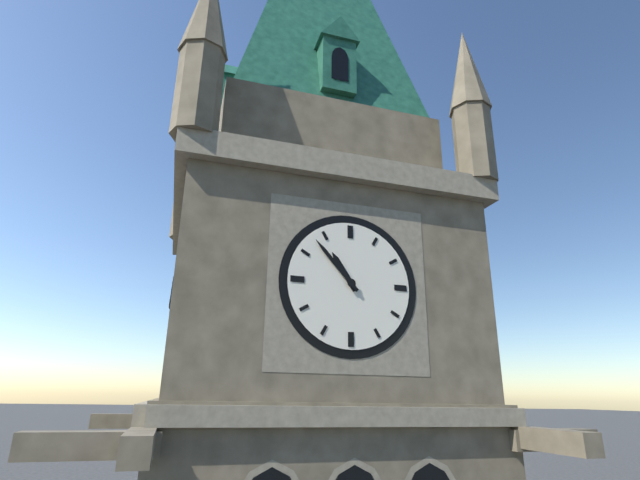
10:53
